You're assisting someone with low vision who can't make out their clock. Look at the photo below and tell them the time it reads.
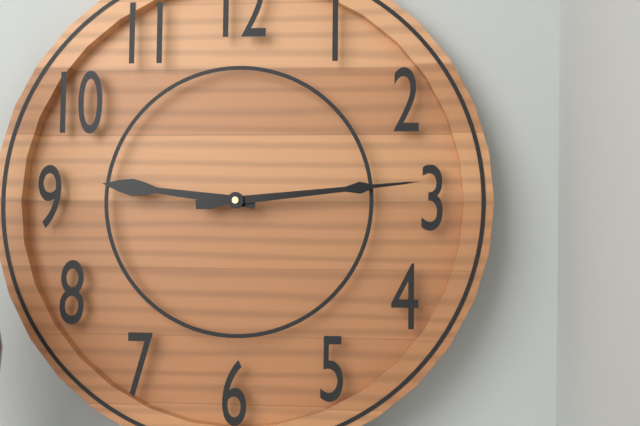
9:14
